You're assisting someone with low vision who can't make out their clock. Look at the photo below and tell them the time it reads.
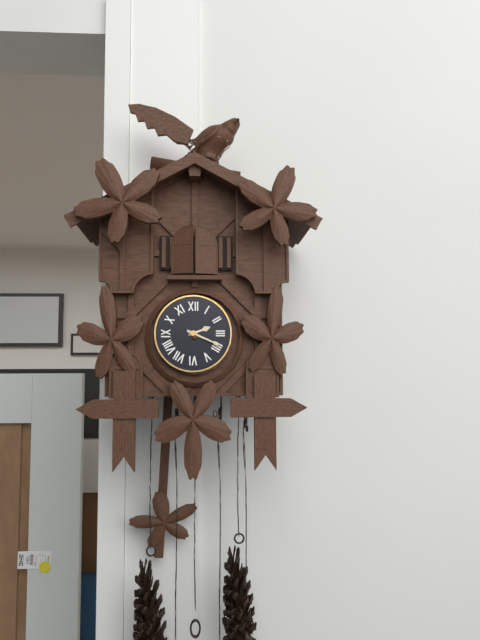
2:19
